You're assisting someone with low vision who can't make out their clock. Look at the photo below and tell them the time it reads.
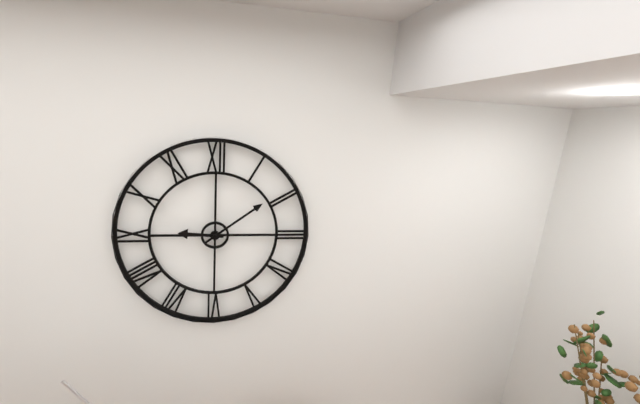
9:09
